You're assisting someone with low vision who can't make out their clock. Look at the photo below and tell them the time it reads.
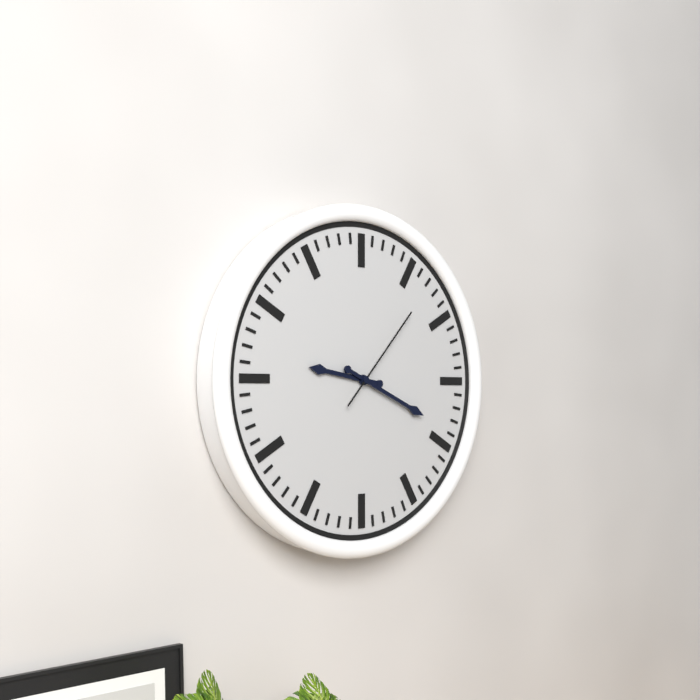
9:19:07
